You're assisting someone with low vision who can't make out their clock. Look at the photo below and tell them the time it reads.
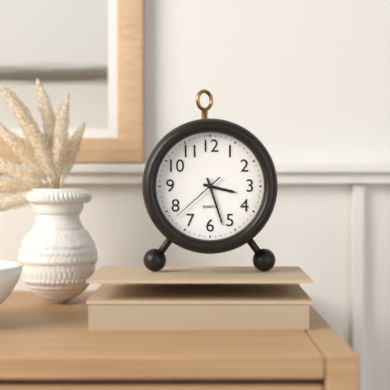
3:27:38
